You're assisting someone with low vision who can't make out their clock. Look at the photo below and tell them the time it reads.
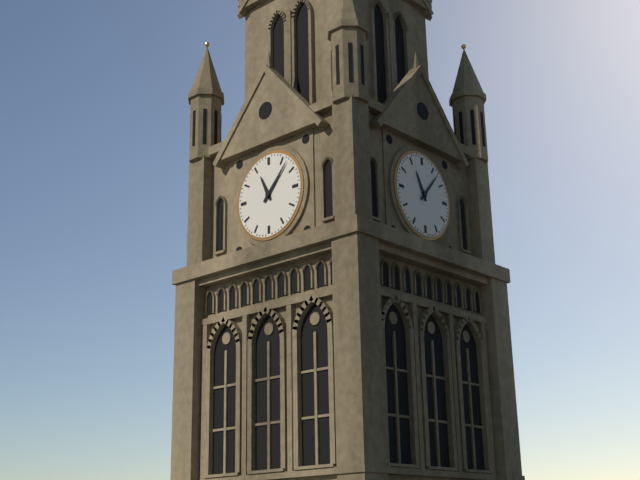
11:07
